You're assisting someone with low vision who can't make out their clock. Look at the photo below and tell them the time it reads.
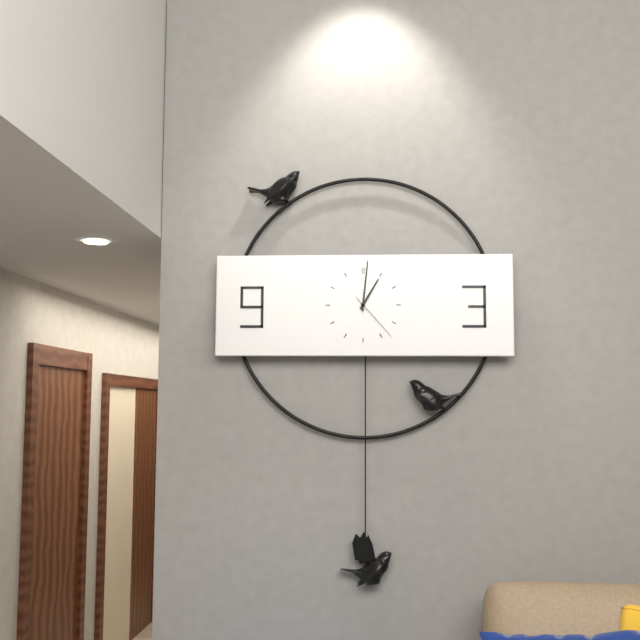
1:01:23
